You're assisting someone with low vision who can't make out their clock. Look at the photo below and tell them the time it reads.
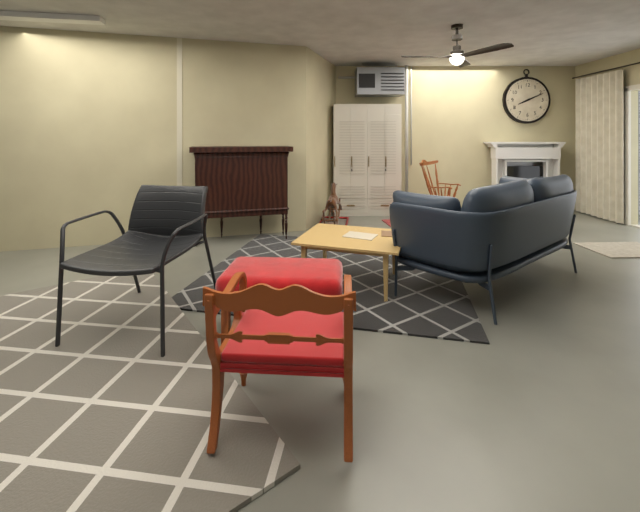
8:11
